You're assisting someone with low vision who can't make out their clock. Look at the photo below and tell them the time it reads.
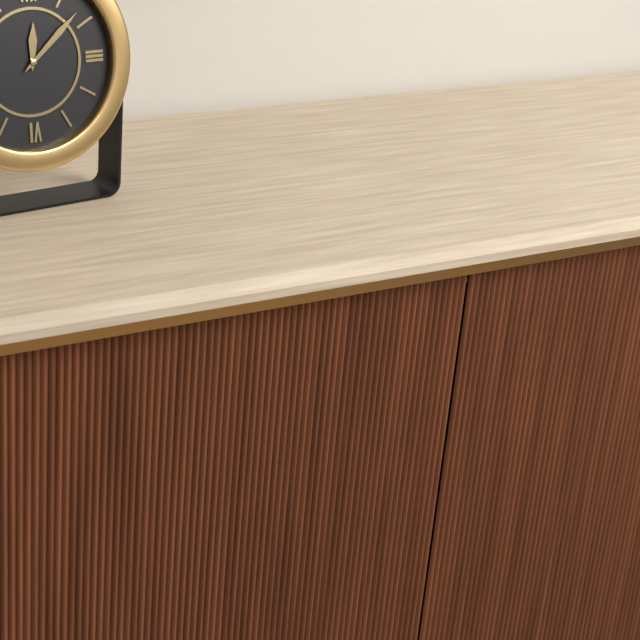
12:08
